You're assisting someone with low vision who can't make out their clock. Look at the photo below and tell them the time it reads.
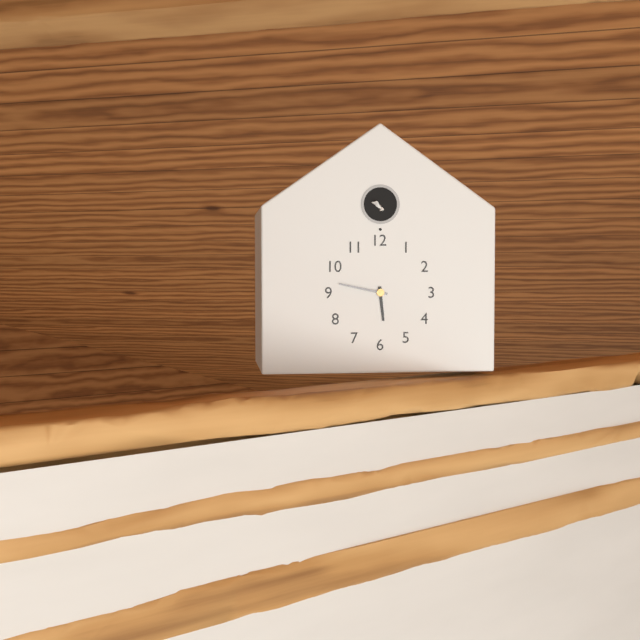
5:47
